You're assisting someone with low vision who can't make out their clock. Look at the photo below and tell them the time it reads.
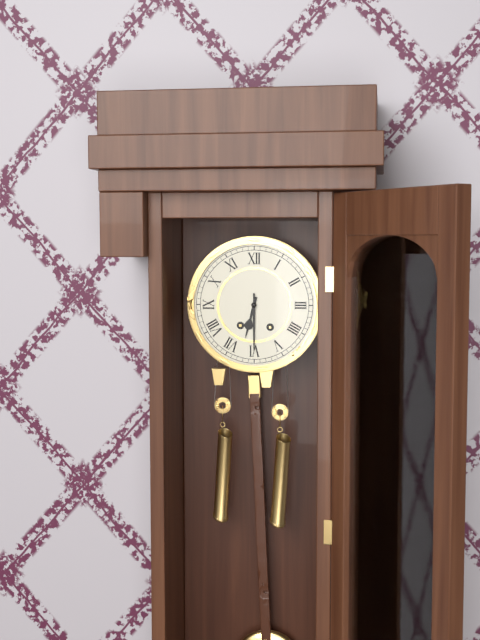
6:30
